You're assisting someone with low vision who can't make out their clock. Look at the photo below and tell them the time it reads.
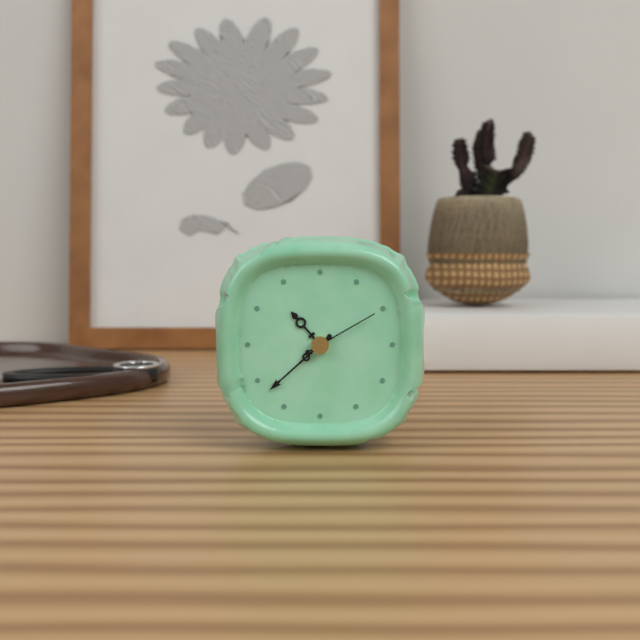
10:38:10
